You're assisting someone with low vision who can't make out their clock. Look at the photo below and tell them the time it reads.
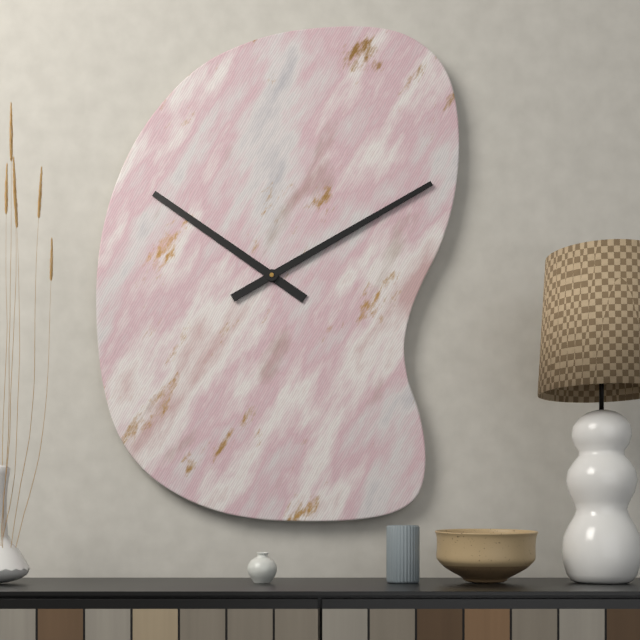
10:10
